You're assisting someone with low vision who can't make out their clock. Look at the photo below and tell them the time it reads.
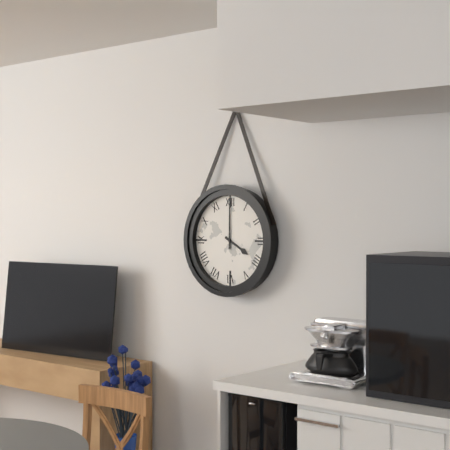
4:00
